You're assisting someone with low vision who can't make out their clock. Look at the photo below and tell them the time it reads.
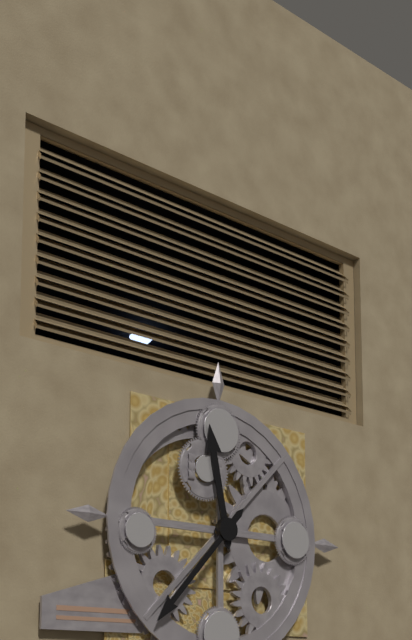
11:37
